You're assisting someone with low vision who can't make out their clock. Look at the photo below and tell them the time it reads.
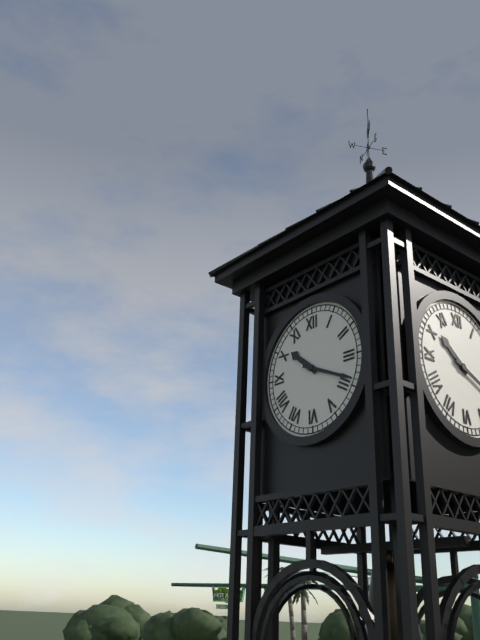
10:19
